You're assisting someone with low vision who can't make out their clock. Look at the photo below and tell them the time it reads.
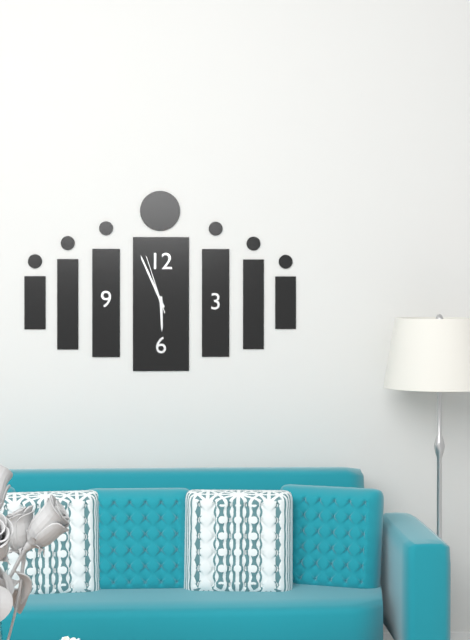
5:56:57
